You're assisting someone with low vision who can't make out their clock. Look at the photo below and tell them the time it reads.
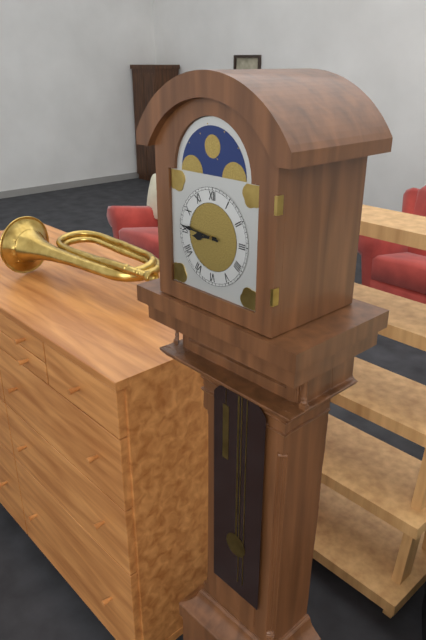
8:46
